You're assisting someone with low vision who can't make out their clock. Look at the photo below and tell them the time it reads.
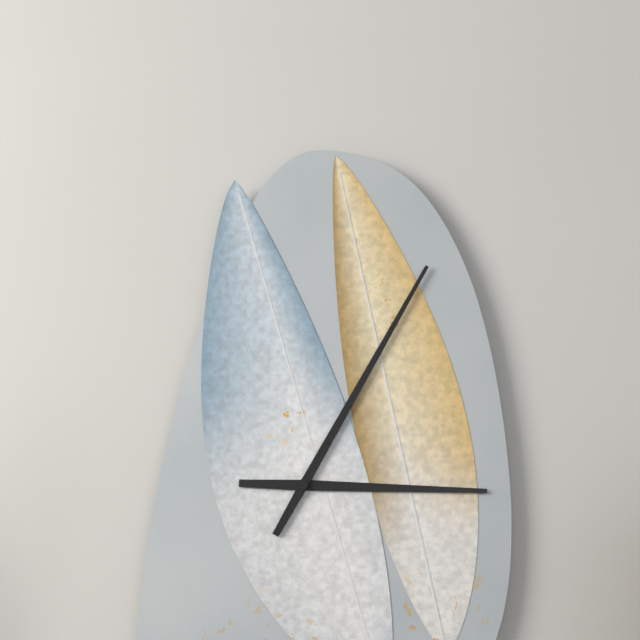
3:05
